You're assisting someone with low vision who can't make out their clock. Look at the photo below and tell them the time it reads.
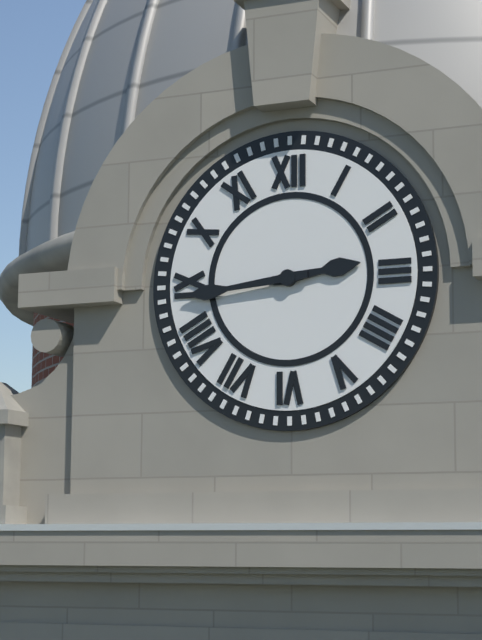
2:44
